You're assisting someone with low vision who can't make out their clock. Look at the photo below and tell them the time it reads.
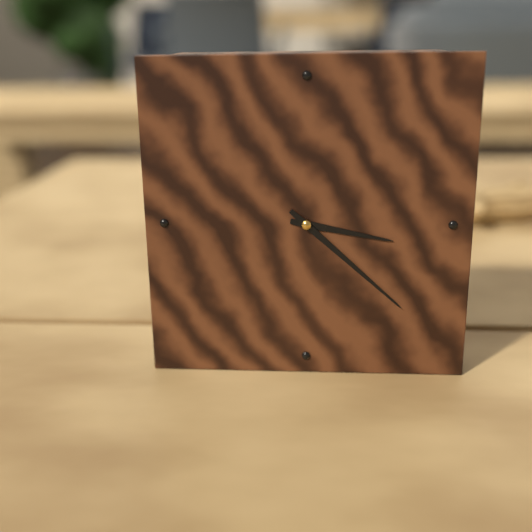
3:22
